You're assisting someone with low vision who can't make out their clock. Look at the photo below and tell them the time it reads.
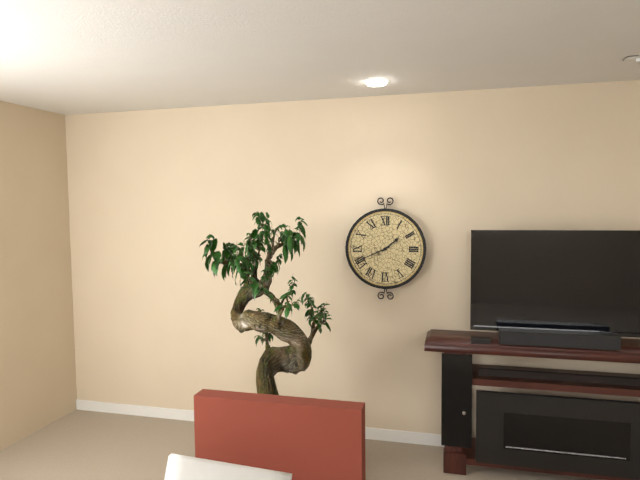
1:41
